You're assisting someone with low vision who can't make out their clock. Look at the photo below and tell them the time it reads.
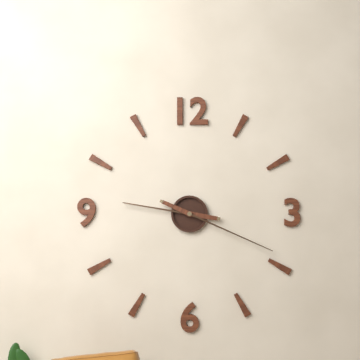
9:19
